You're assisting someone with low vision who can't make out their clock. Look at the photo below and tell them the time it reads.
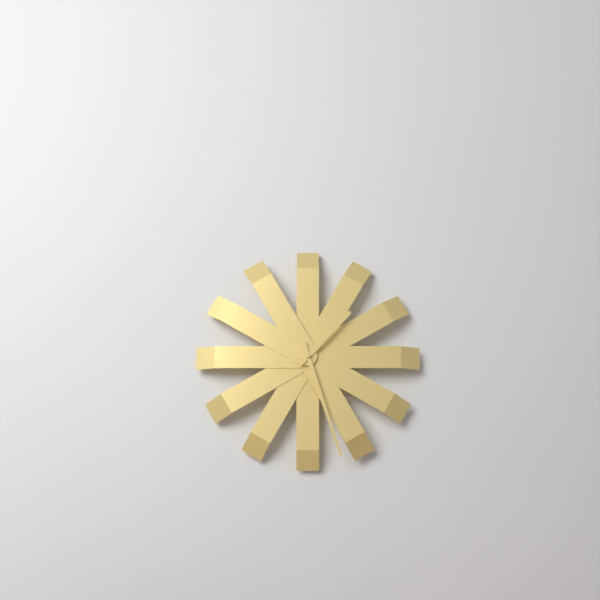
1:27
